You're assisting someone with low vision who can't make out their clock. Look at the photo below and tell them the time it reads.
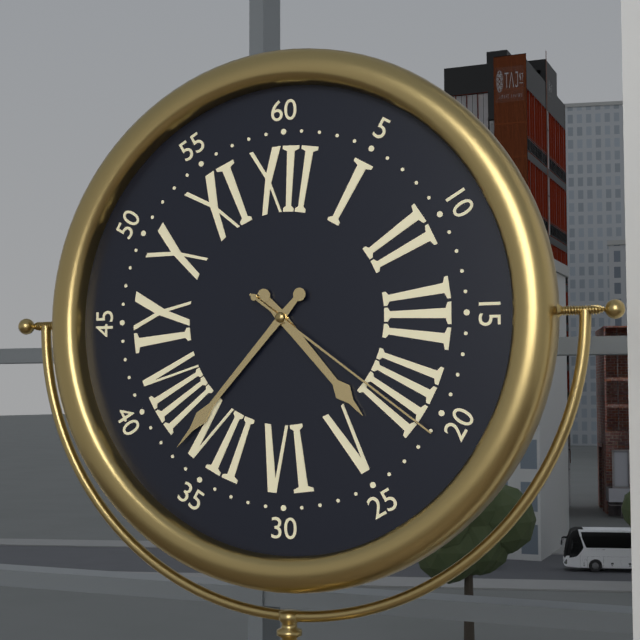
4:37:21
